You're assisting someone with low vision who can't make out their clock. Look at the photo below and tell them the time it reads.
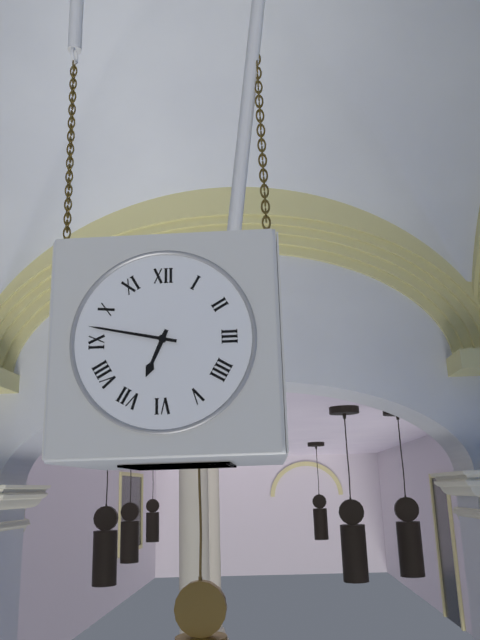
6:47
